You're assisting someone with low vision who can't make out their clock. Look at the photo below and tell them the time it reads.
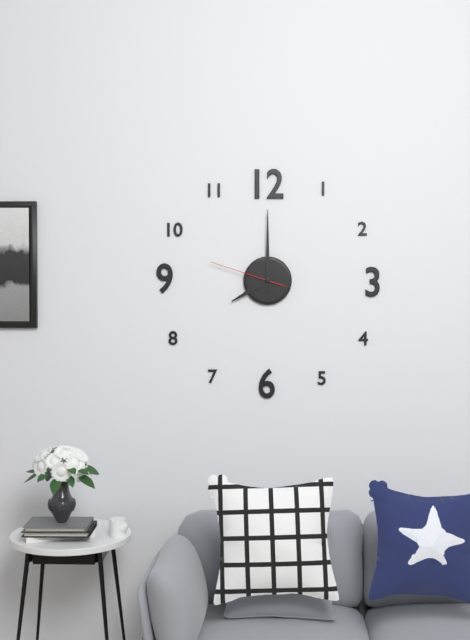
8:00:48
